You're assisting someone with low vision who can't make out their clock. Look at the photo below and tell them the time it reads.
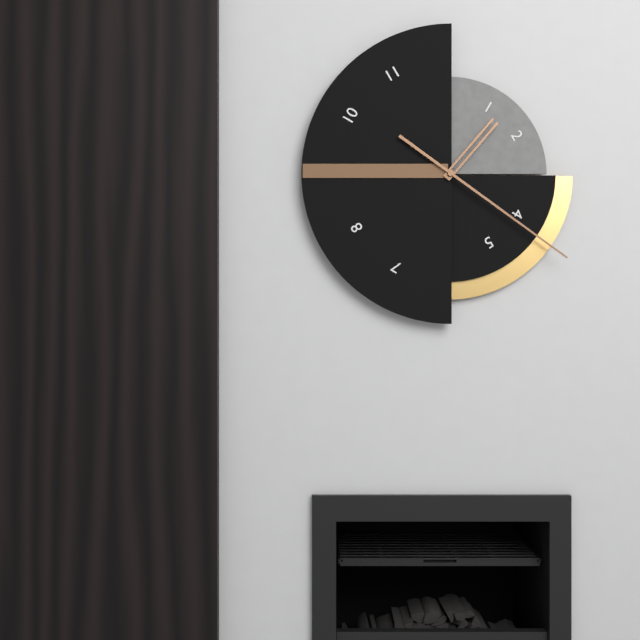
1:21
